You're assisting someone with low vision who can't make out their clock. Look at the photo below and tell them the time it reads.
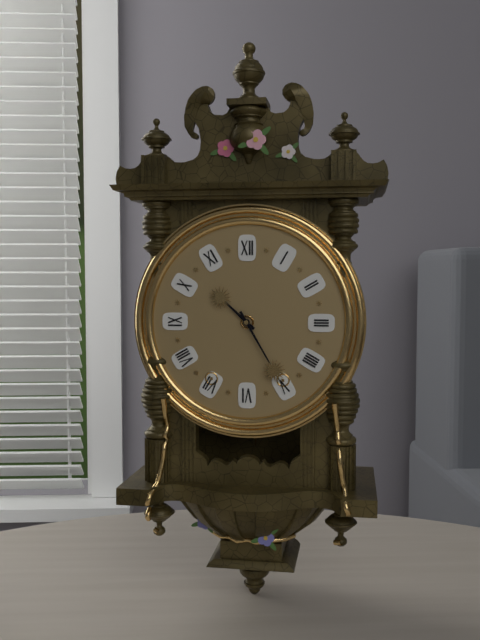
10:25
